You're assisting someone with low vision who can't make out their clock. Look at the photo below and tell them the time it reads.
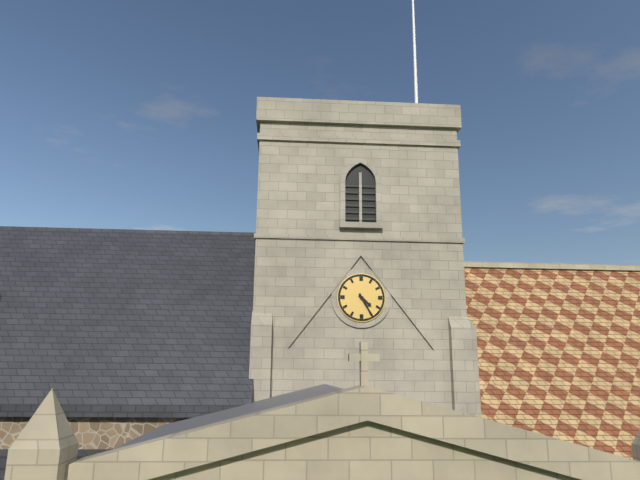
4:25
